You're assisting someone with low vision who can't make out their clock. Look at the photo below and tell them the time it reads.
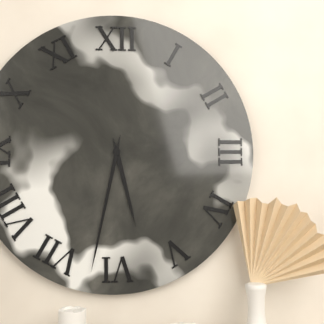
5:32
